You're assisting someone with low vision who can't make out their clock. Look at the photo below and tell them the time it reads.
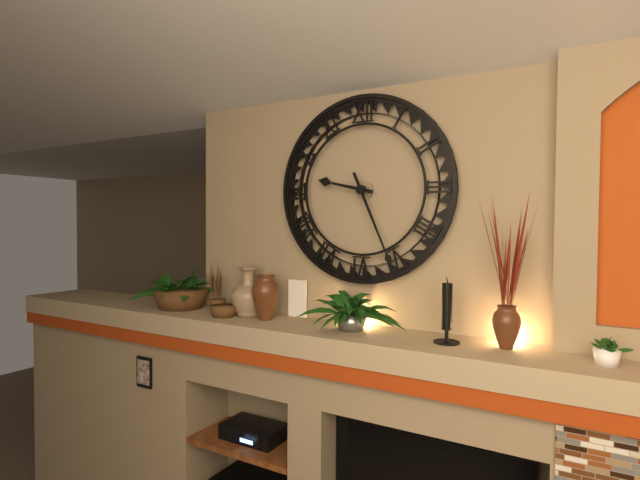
9:26
